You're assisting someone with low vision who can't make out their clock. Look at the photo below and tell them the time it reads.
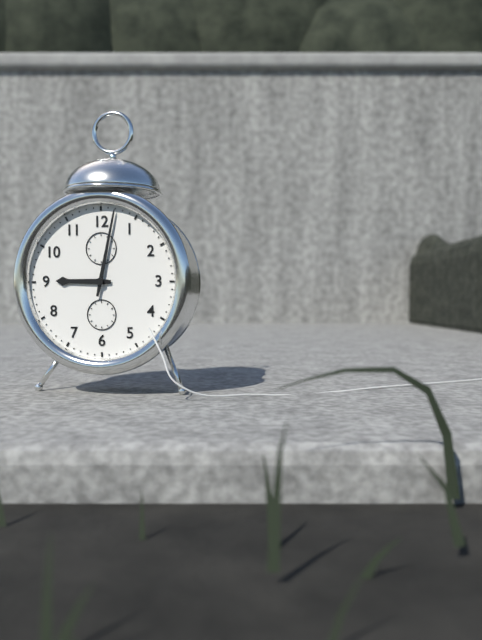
9:02
